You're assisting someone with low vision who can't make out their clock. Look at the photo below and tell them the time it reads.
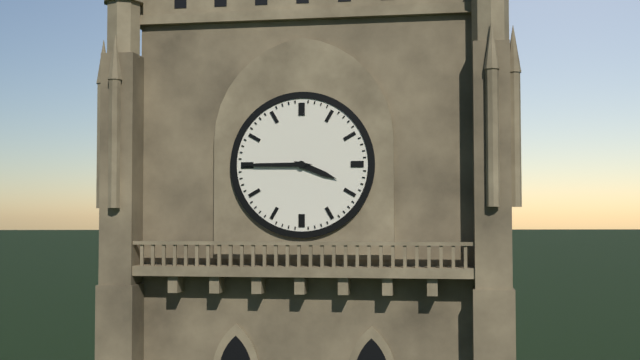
3:45
